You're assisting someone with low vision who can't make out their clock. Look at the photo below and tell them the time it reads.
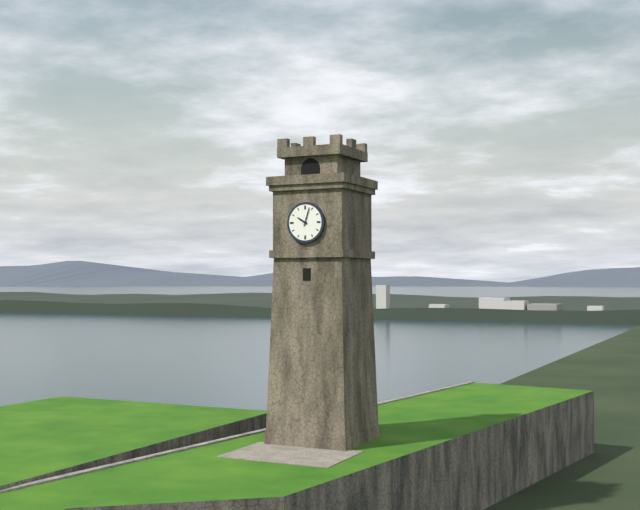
10:03
